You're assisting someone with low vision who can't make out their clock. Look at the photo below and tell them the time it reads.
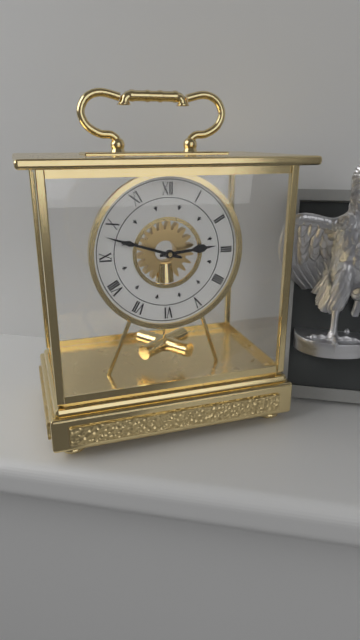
2:48
